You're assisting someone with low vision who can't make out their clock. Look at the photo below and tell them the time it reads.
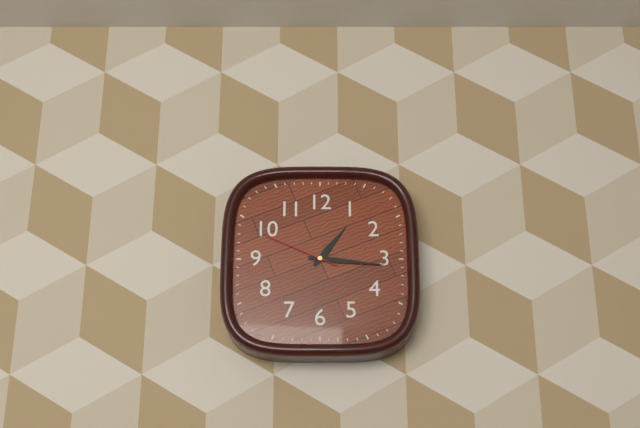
1:16:49
